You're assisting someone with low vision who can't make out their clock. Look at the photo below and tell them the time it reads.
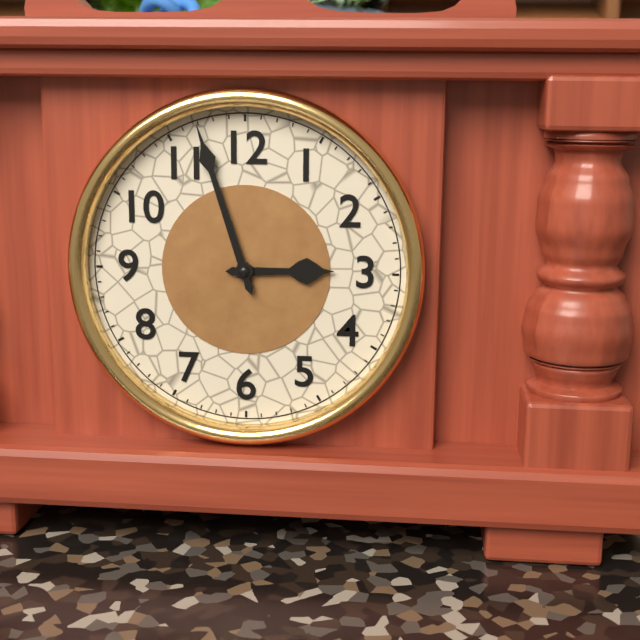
2:57
